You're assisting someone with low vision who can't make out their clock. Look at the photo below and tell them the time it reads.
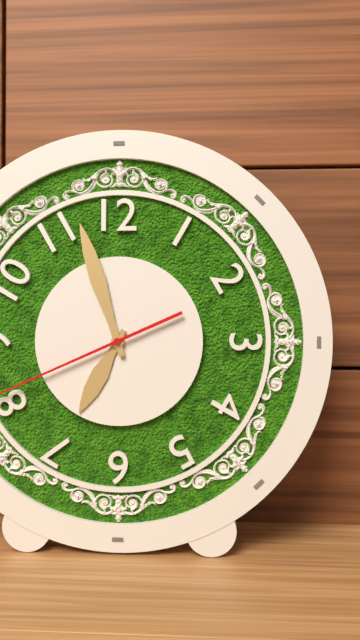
6:57
